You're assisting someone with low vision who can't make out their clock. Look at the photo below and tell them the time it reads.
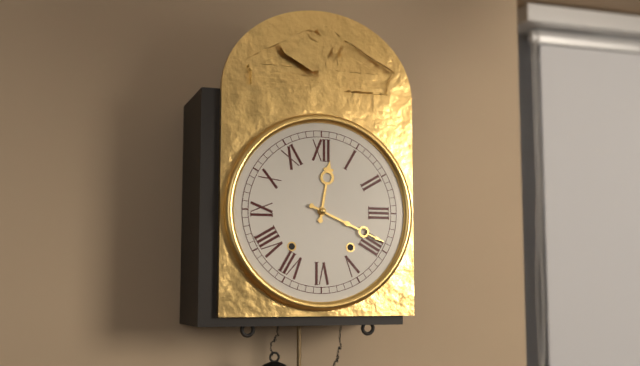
12:19
